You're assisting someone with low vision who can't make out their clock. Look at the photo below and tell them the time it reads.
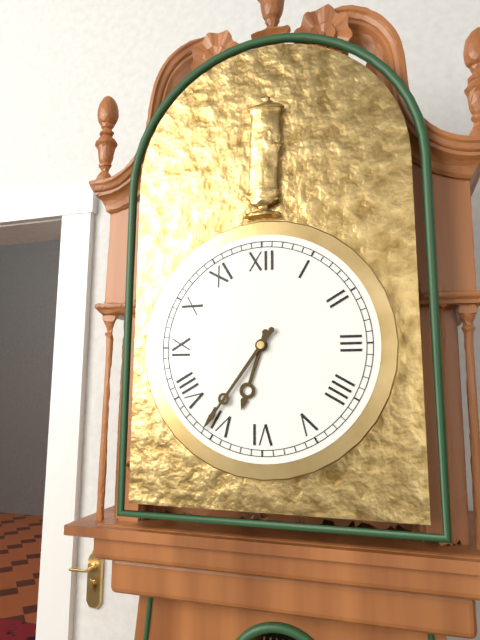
6:36
